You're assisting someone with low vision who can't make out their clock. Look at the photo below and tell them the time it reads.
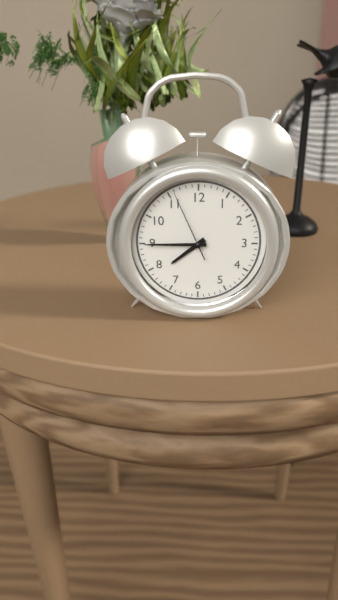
7:45:56
